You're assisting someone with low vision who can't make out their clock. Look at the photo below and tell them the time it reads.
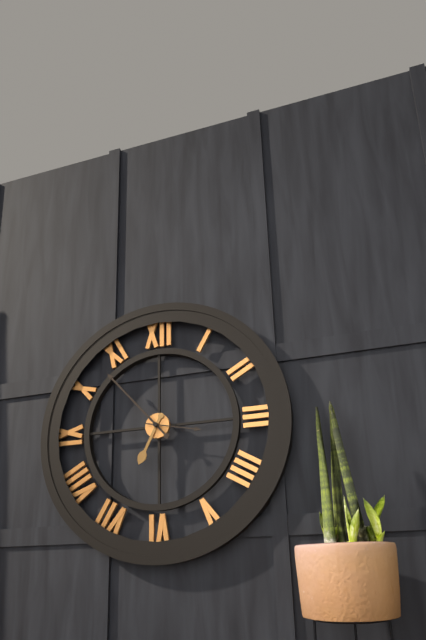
6:53:17
